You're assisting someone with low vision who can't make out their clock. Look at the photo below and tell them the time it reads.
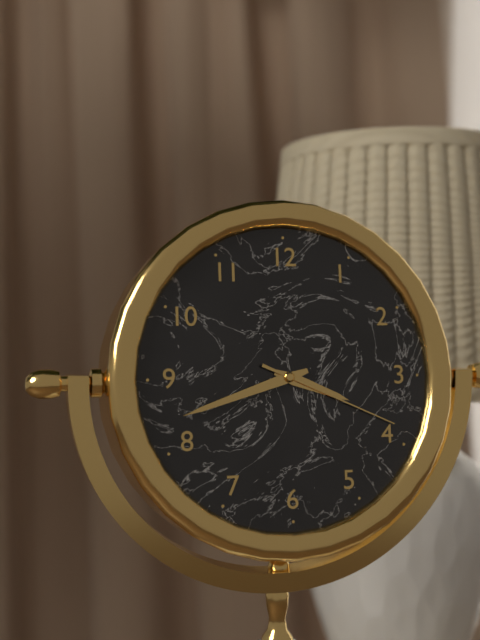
3:42:19
